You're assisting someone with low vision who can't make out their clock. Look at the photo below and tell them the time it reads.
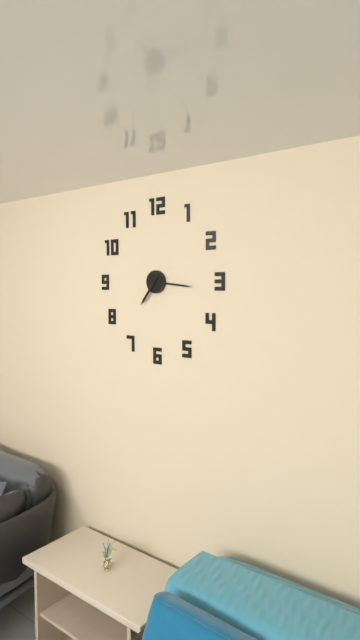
7:16
